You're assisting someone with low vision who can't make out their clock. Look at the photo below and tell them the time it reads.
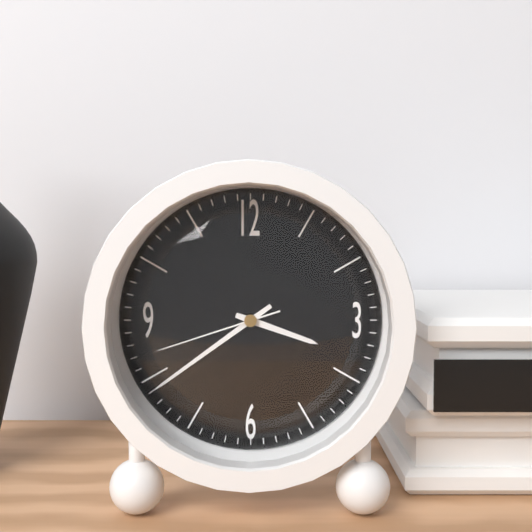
3:39:42
